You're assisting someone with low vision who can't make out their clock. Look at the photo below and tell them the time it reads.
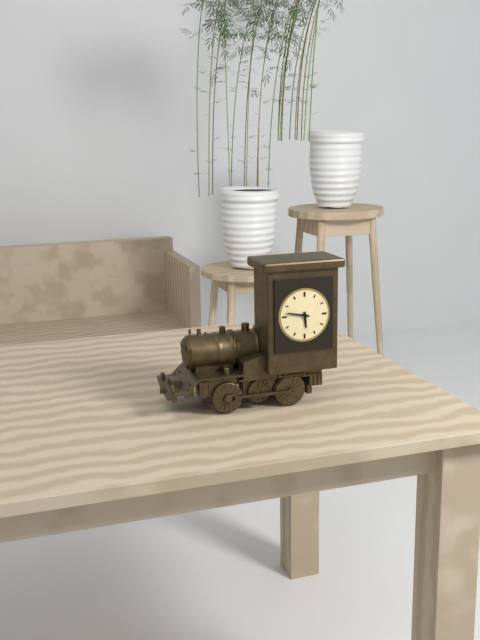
5:47
